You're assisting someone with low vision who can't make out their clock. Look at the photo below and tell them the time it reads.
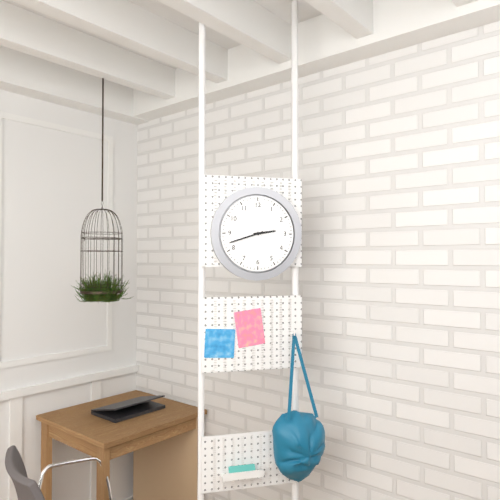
2:42
